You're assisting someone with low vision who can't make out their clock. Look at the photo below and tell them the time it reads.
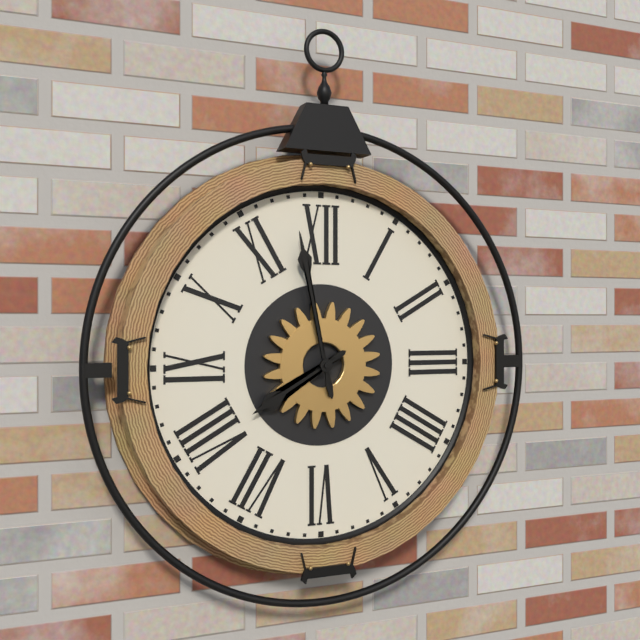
7:58
